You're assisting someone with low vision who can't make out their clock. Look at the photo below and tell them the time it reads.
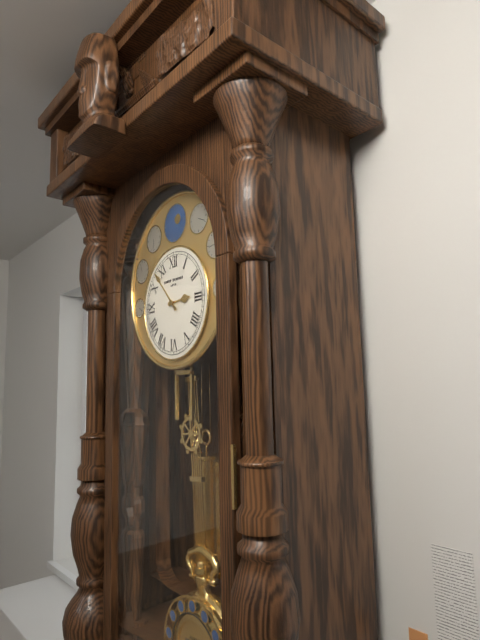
2:53
